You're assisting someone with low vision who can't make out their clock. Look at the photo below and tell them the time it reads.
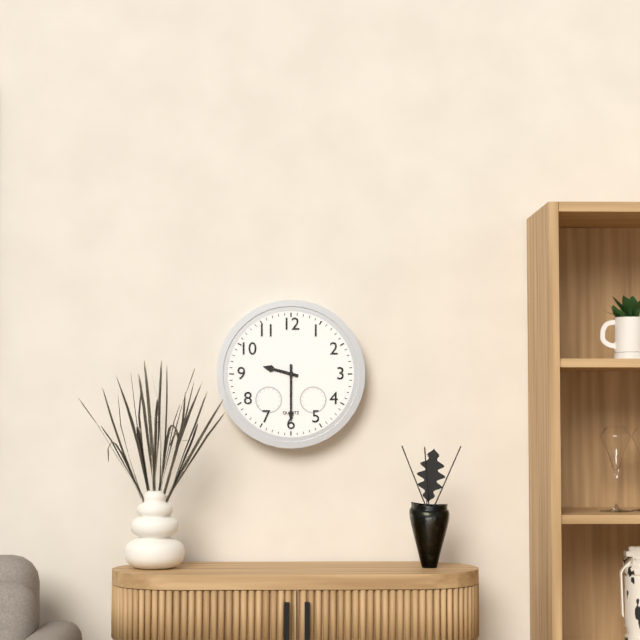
9:30
